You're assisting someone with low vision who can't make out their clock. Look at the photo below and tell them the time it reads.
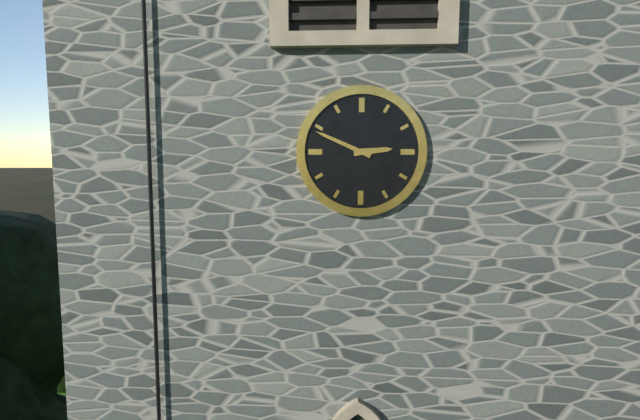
2:49
